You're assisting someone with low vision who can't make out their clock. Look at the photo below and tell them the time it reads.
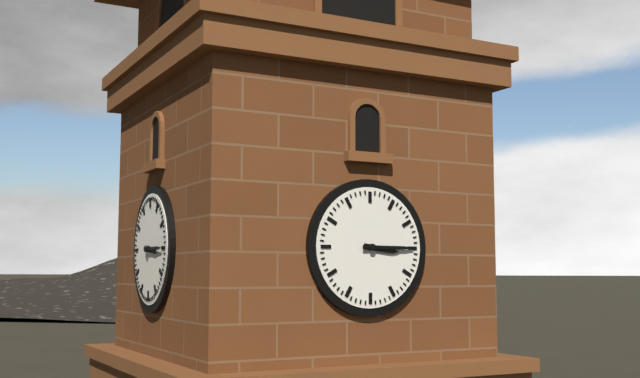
3:15
